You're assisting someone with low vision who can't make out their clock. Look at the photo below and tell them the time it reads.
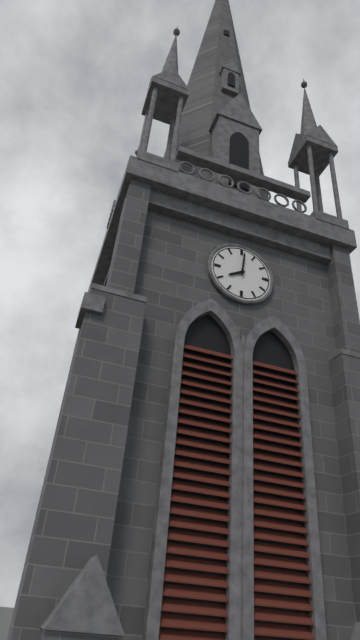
8:01
